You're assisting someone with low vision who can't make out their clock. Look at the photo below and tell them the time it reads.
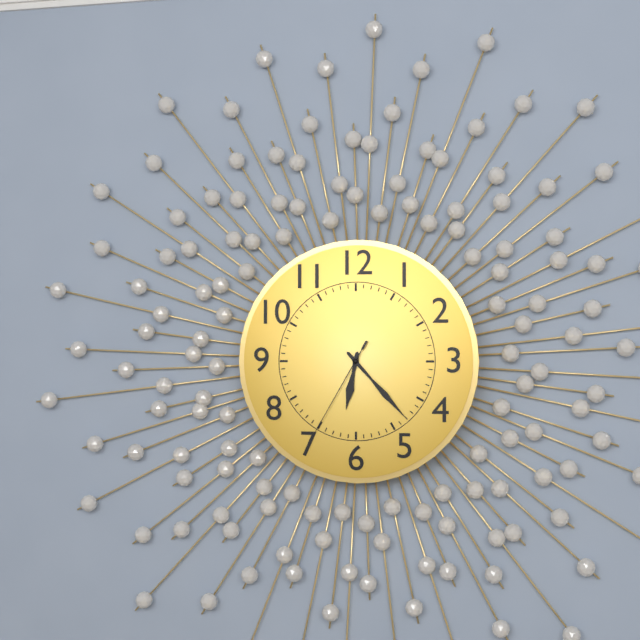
6:23:35
